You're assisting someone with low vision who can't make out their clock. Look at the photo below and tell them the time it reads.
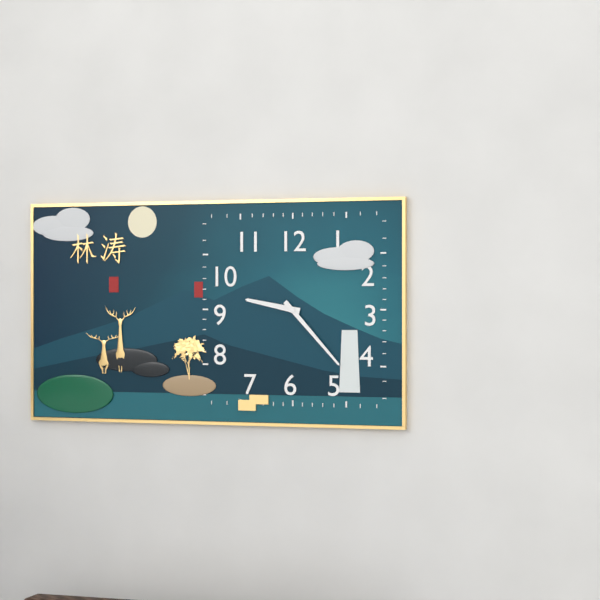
9:23
